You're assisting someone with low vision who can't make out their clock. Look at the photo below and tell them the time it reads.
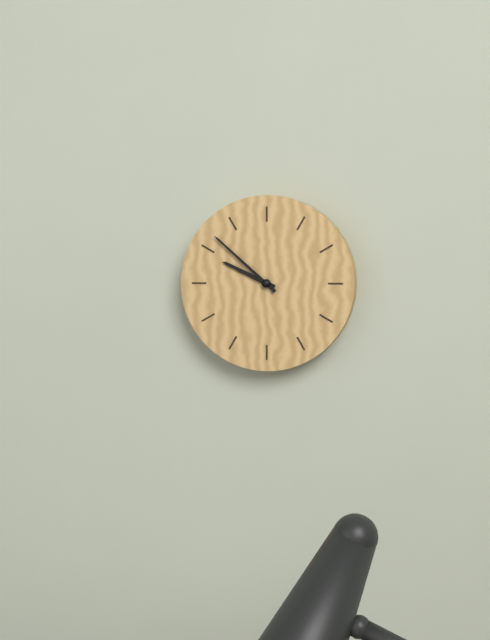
9:52
